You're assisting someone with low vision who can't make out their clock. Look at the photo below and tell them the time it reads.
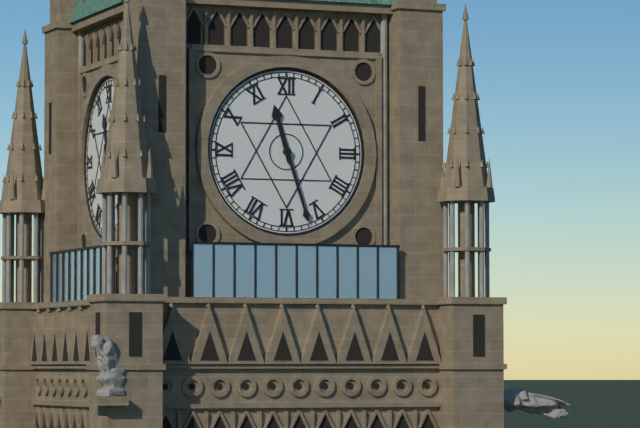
11:27
